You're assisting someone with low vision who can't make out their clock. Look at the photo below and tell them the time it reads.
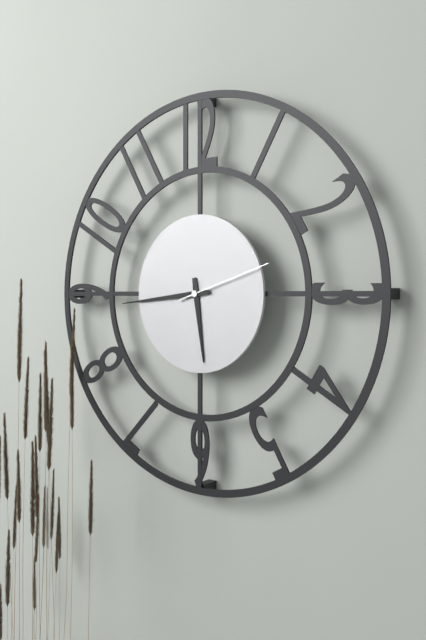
5:44:12
